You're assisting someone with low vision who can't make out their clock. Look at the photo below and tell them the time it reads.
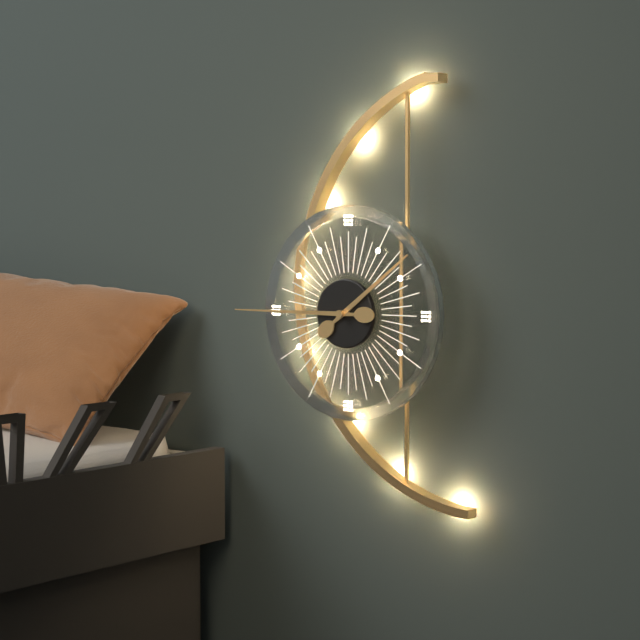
1:45
